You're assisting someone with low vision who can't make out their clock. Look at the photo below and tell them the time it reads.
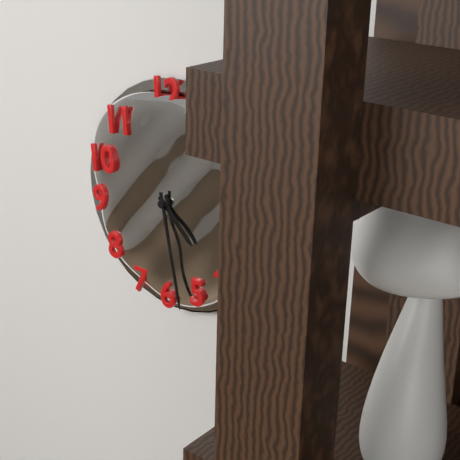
4:28
